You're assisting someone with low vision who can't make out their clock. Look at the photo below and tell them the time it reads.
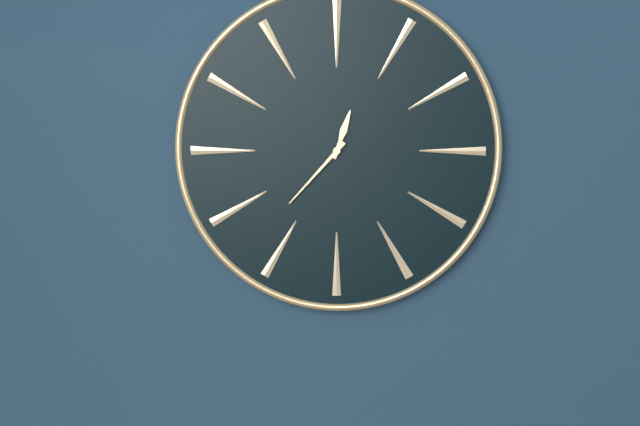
12:37
